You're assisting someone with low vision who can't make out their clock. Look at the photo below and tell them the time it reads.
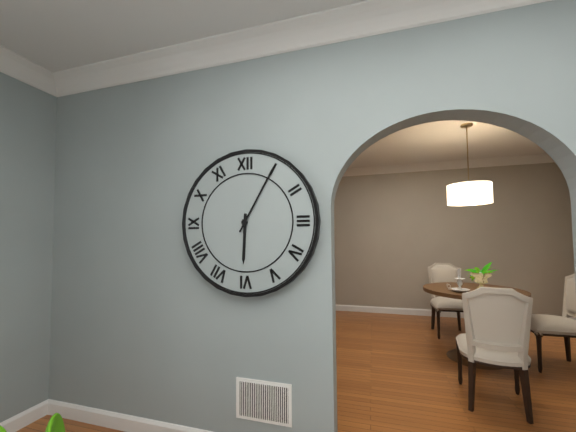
6:05
